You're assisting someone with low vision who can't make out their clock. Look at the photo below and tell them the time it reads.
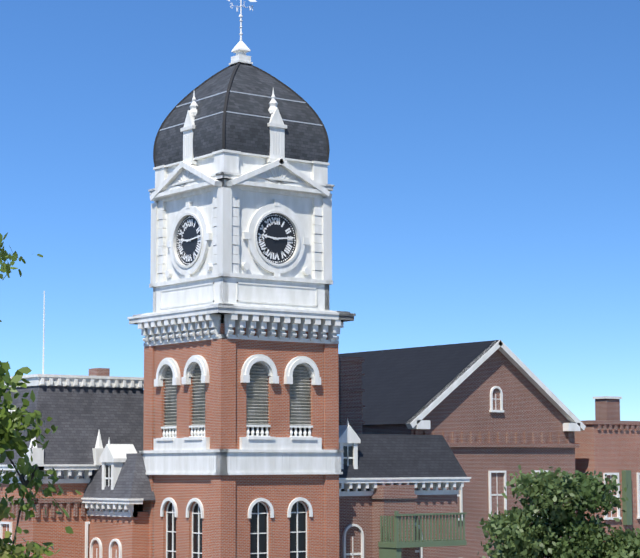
9:14
